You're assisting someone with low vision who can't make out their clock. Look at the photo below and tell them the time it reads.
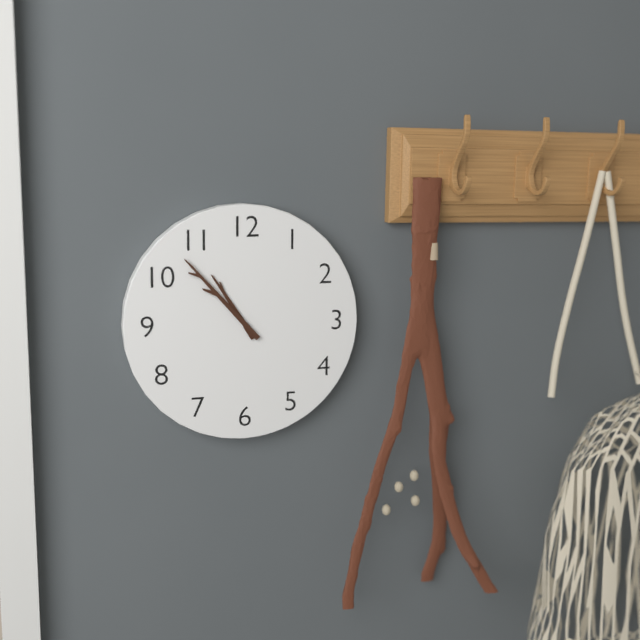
10:53
